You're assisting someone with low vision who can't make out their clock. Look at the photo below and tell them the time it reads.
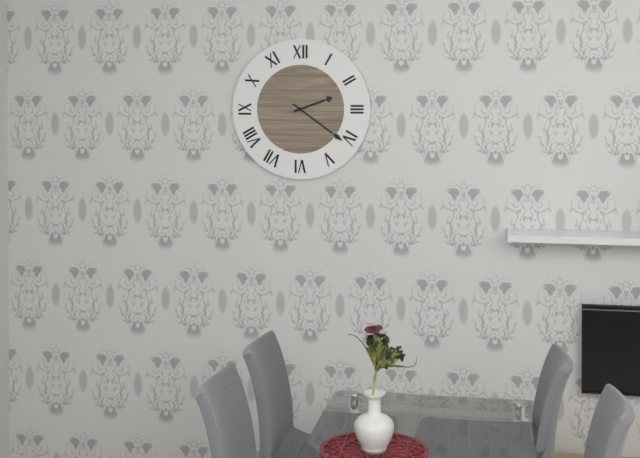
2:21
